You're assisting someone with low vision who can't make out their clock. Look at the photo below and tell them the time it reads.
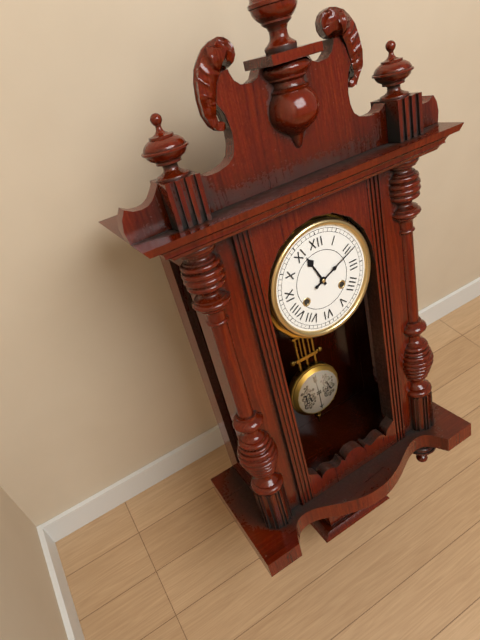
11:11
